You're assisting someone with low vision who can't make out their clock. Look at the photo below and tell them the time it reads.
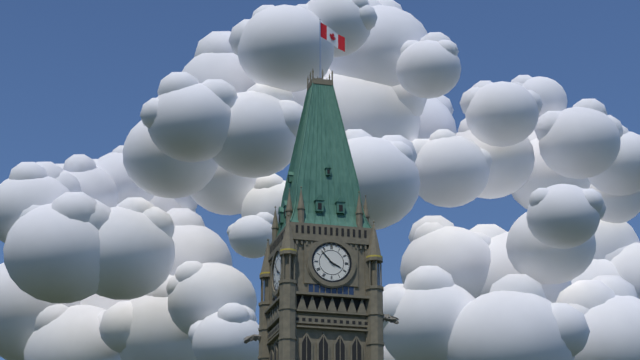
3:53
